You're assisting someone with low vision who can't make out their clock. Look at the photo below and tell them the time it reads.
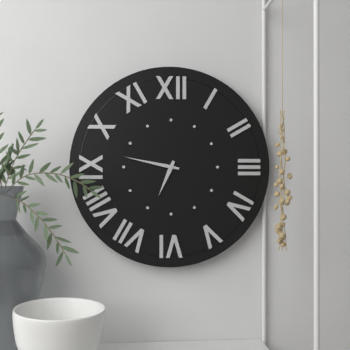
6:47
